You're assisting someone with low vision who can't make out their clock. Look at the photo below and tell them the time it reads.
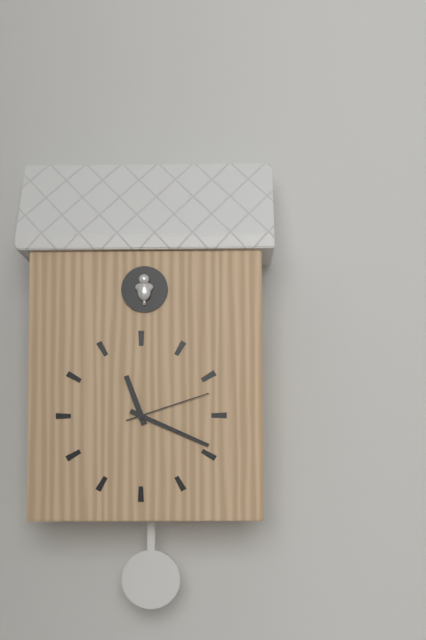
11:19:12
